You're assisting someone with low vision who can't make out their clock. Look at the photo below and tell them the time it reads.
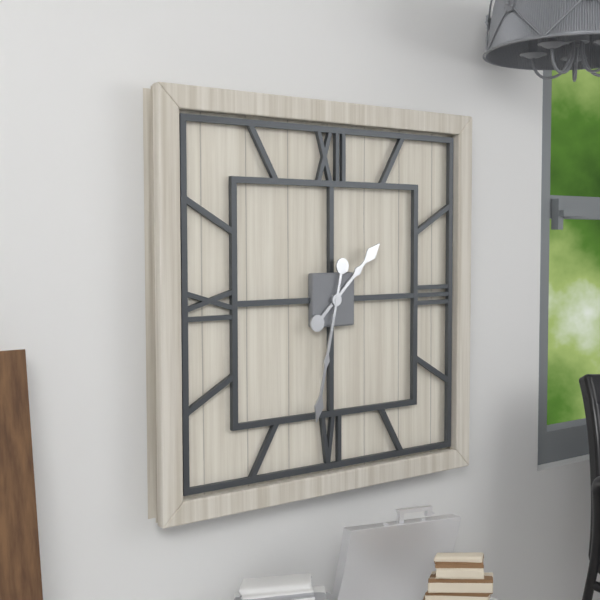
1:32
